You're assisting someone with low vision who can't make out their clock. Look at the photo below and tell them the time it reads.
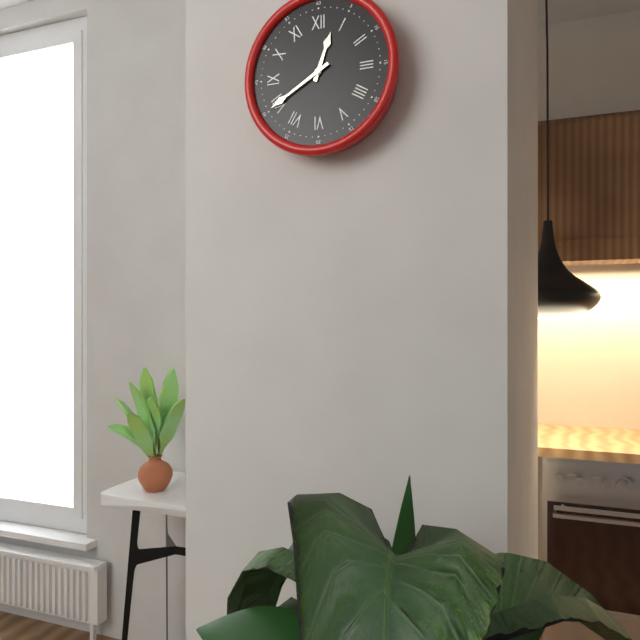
12:40
